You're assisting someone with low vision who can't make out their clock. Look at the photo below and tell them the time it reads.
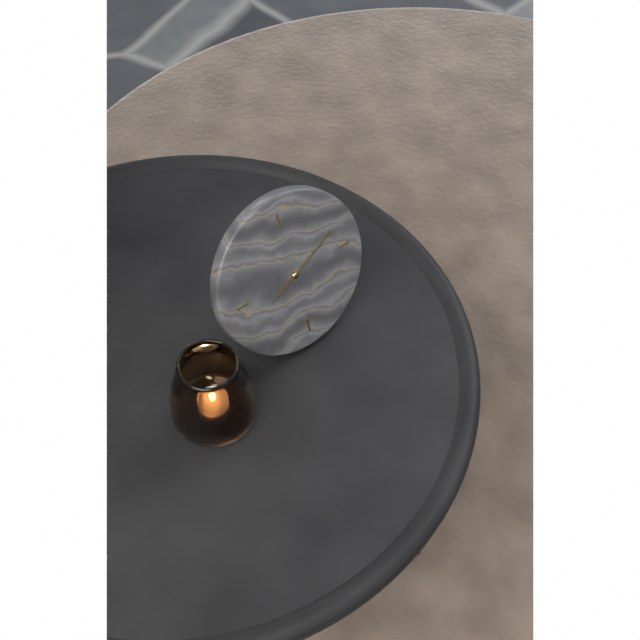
8:11
